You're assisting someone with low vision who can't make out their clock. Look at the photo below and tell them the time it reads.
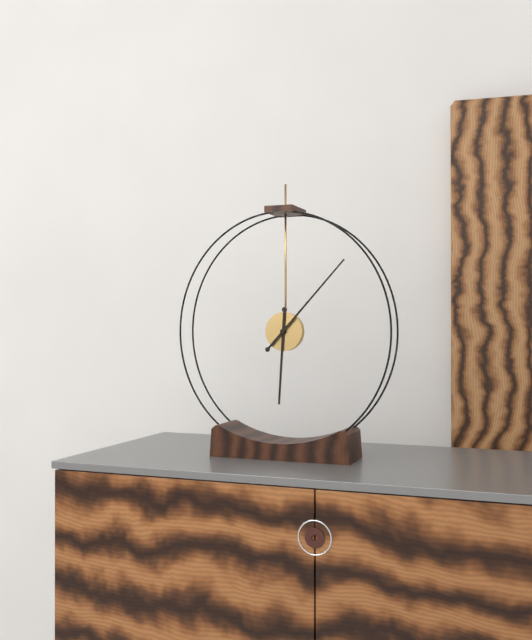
6:07
